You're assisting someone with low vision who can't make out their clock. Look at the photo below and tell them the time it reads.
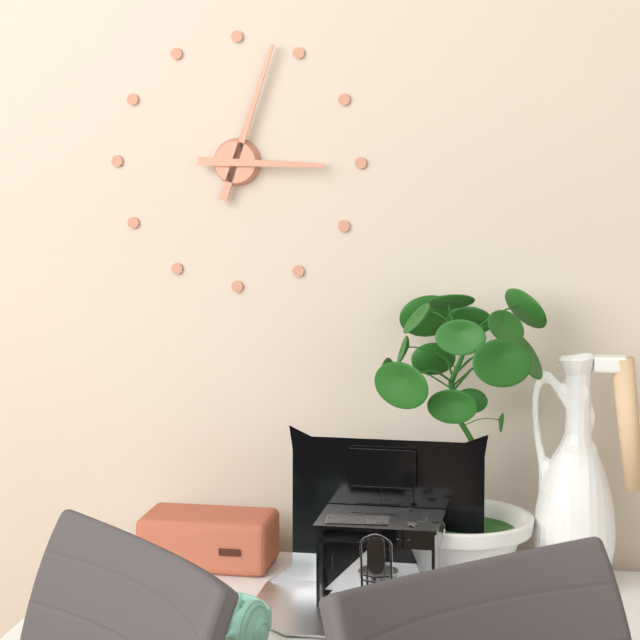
3:03
